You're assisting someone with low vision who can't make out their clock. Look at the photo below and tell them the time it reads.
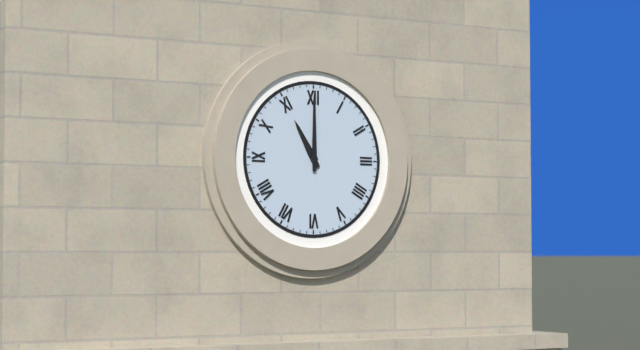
11:00
